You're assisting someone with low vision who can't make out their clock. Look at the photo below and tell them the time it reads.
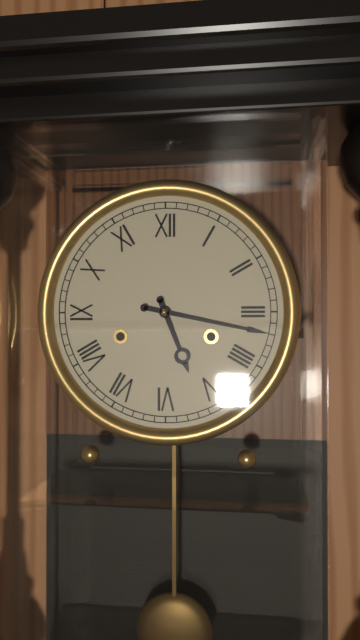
5:17
